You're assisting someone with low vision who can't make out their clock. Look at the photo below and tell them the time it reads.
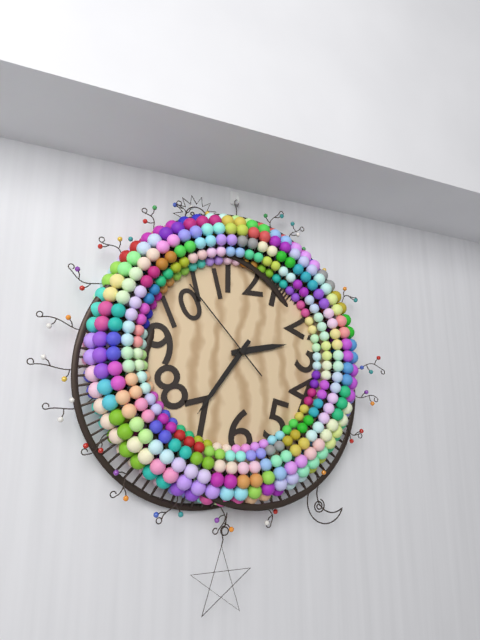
2:36:53
